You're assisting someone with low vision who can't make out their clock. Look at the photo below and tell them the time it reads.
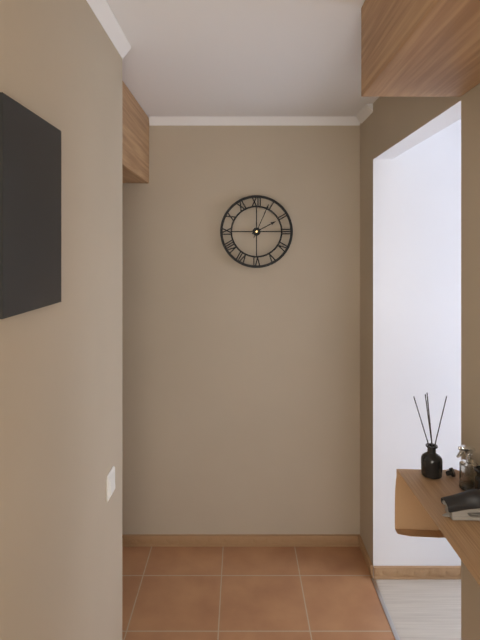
2:04
